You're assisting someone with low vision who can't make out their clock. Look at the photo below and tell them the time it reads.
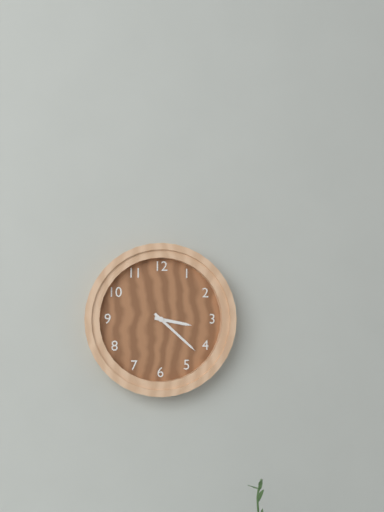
3:22
